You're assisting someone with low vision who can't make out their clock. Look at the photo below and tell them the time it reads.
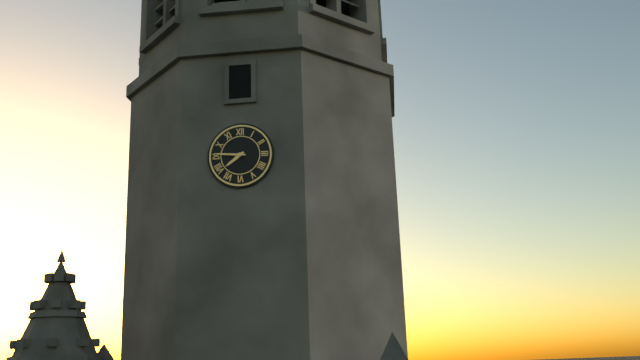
7:46
